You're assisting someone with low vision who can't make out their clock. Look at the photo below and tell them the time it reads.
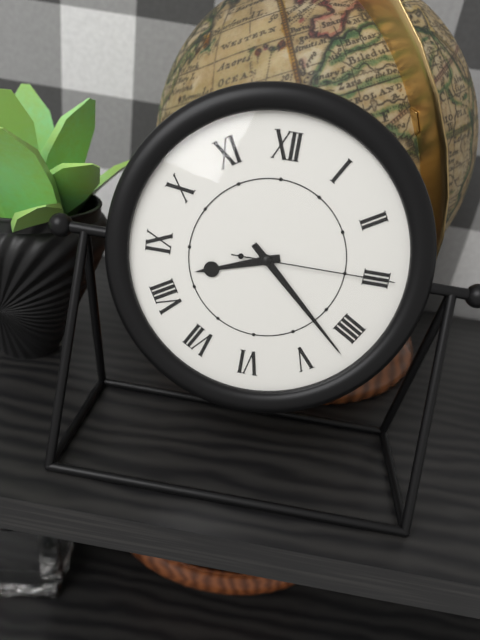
8:22:15
